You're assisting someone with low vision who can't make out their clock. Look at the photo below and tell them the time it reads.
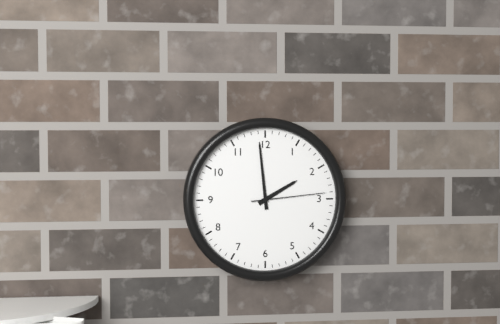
1:59:14
